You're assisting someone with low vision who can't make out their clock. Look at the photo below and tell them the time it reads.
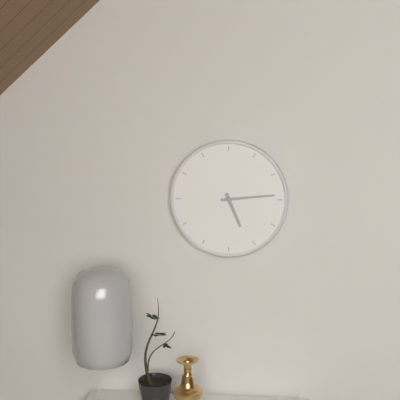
5:14
